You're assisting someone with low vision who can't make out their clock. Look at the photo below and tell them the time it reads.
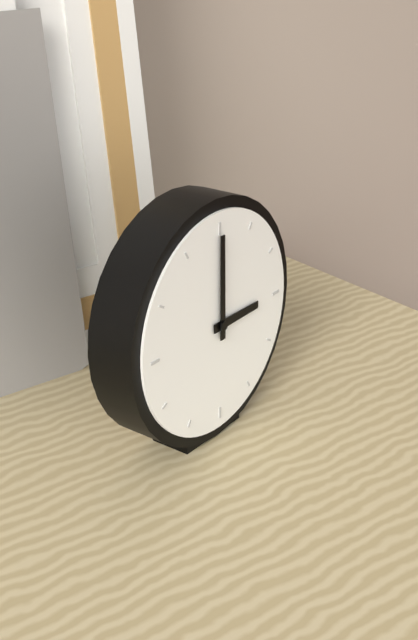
3:00
